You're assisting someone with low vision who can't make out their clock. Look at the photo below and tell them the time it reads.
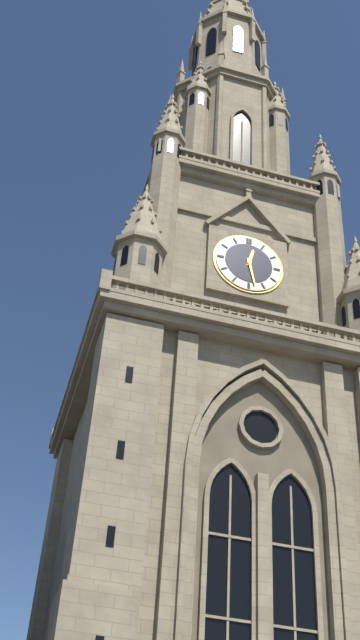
12:28
